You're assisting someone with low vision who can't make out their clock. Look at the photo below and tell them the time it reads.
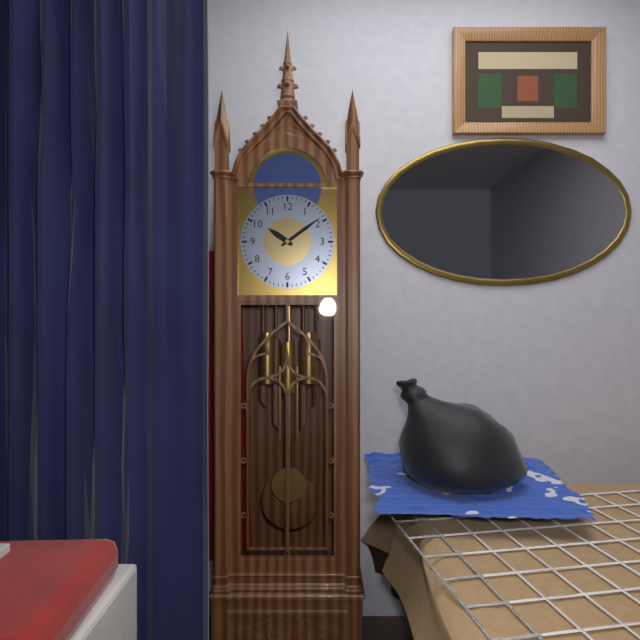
10:09
